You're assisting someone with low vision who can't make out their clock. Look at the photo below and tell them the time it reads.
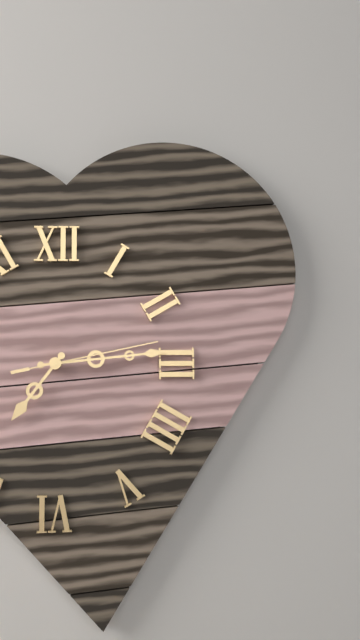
7:14:13
